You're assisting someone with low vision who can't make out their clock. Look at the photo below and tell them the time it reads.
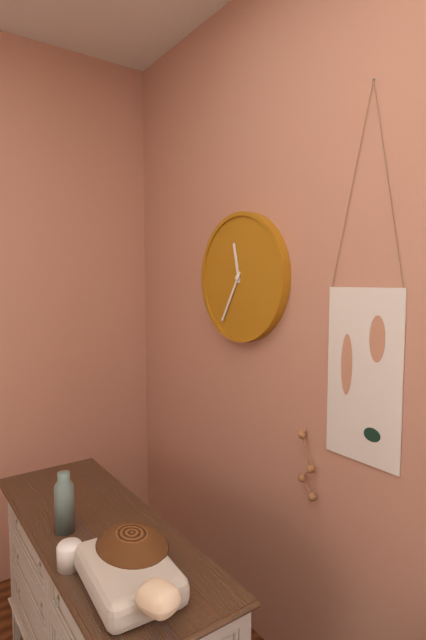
11:35
